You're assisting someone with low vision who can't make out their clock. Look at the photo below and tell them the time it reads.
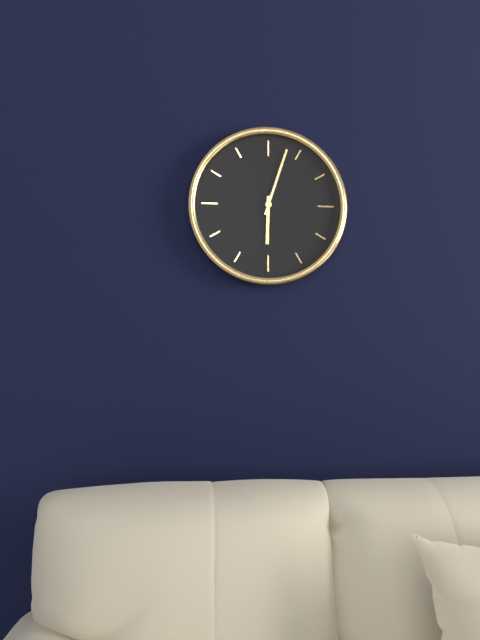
6:03
